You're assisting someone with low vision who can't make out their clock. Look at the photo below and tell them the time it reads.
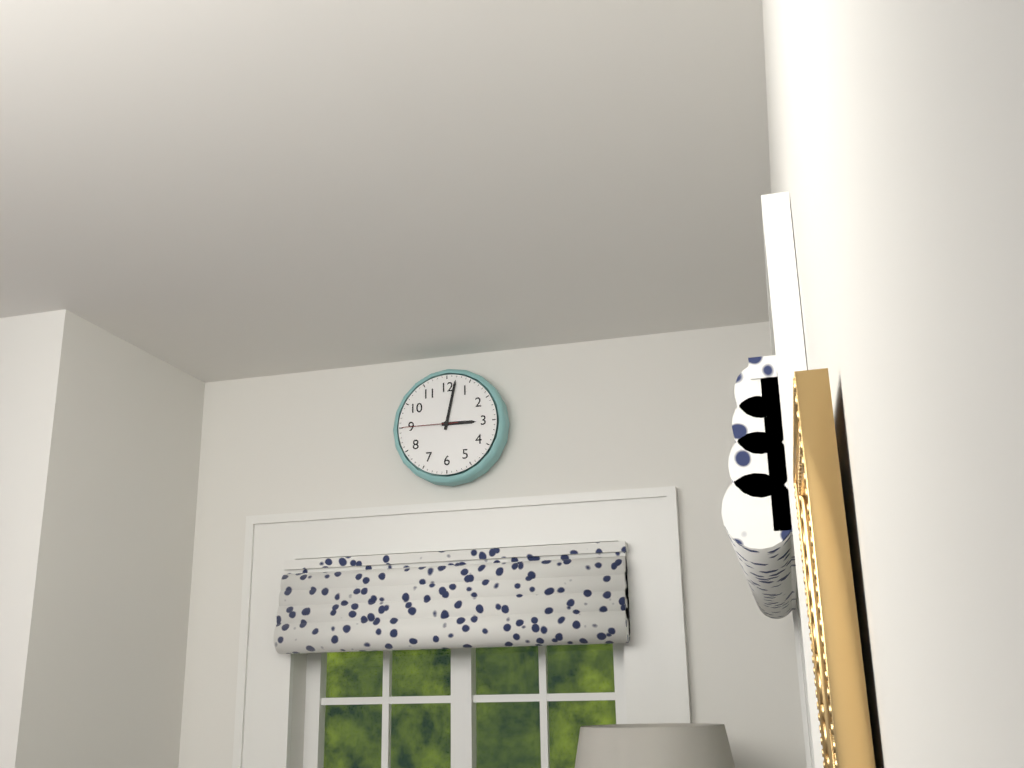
3:02:45
